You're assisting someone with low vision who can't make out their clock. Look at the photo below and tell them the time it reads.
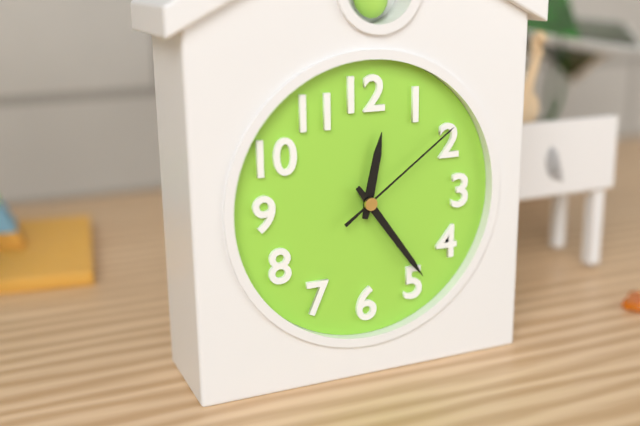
12:24:09
